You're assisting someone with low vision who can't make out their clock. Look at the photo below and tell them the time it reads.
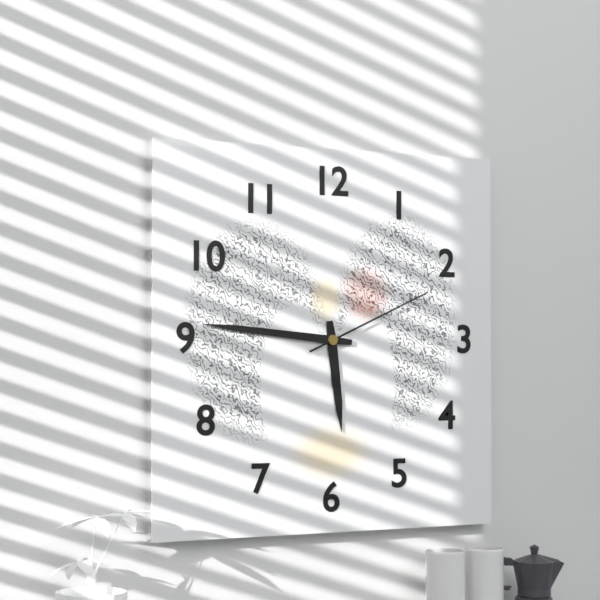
5:46:11
